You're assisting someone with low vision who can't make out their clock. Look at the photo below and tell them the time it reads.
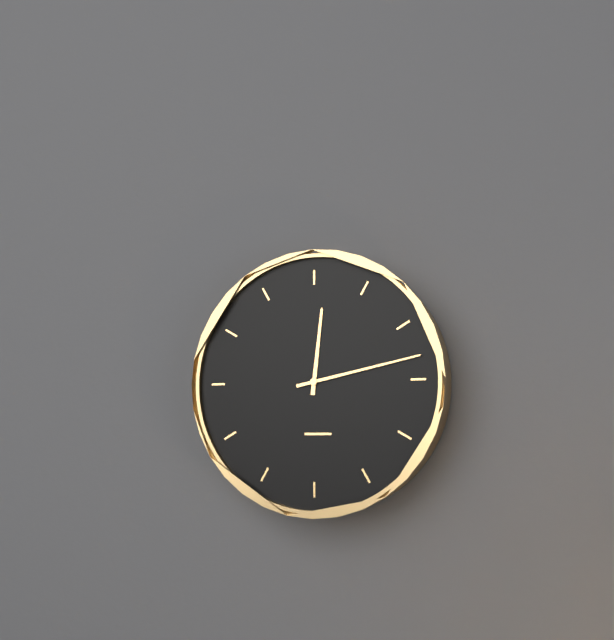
12:13
